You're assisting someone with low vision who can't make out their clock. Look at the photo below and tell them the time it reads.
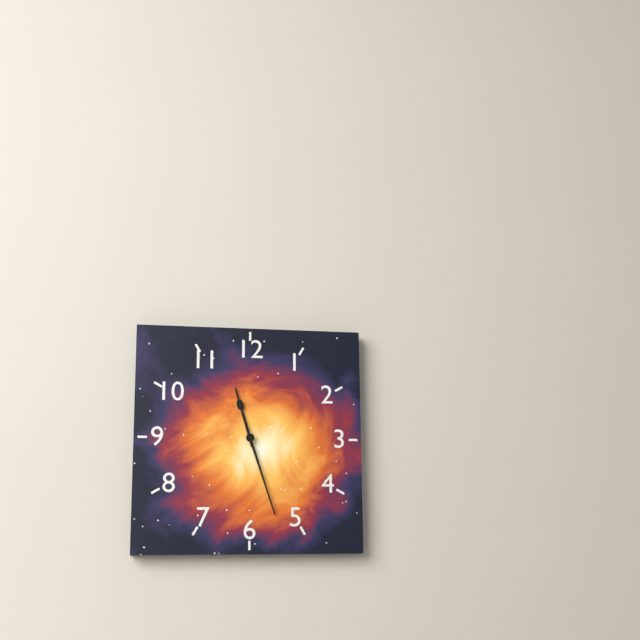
11:27
